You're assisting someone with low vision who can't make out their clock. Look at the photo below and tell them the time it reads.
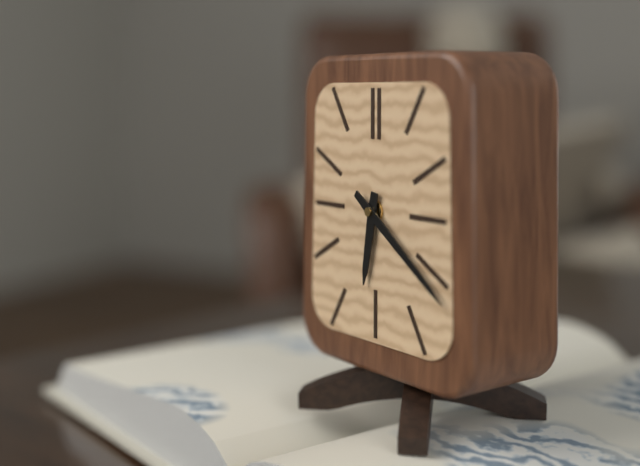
6:21
